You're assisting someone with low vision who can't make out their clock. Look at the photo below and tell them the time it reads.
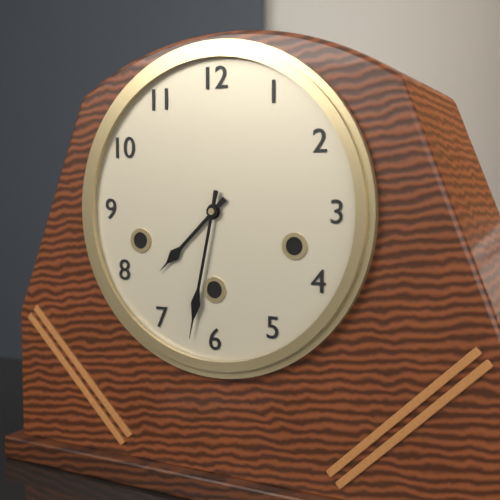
7:32
